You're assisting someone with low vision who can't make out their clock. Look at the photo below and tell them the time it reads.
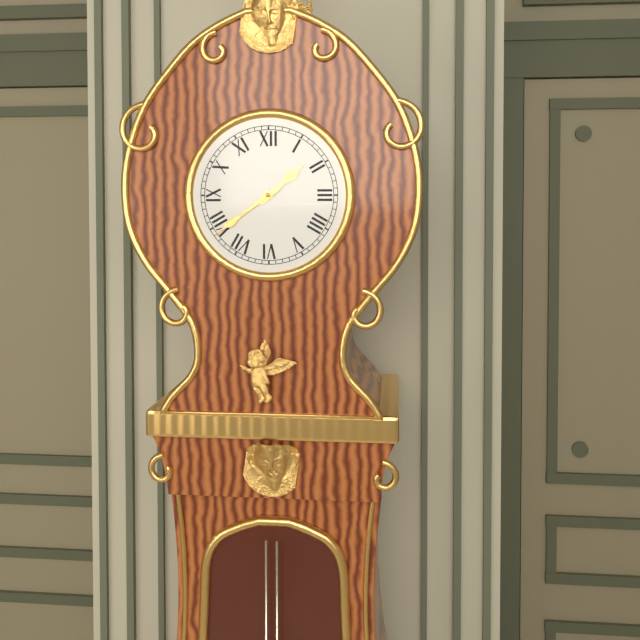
1:39
